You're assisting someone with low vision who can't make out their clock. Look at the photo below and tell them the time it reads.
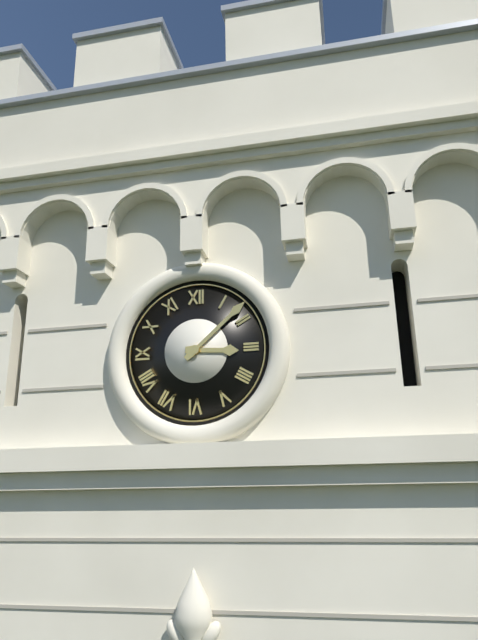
3:08
